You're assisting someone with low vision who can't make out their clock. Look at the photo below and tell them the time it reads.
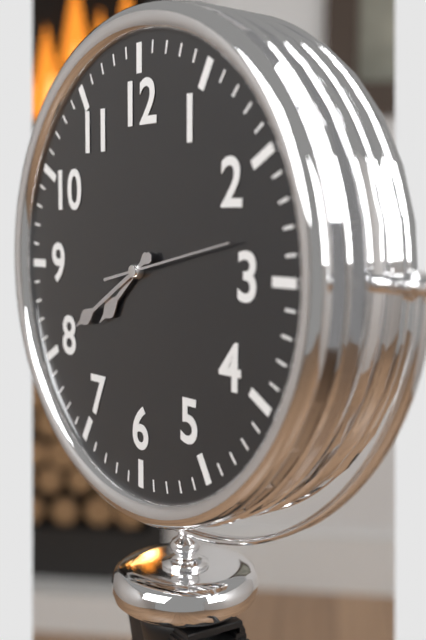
7:40:13
